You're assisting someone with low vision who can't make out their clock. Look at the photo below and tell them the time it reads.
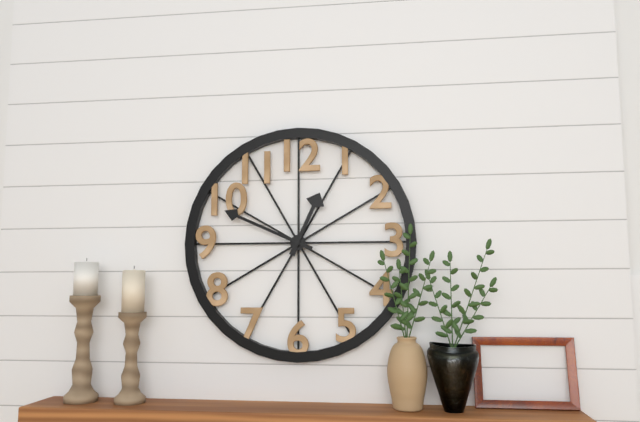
12:49
